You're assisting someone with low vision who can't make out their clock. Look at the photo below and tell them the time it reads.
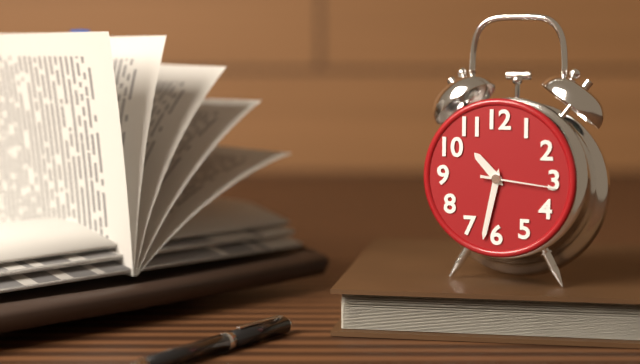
10:32:16
